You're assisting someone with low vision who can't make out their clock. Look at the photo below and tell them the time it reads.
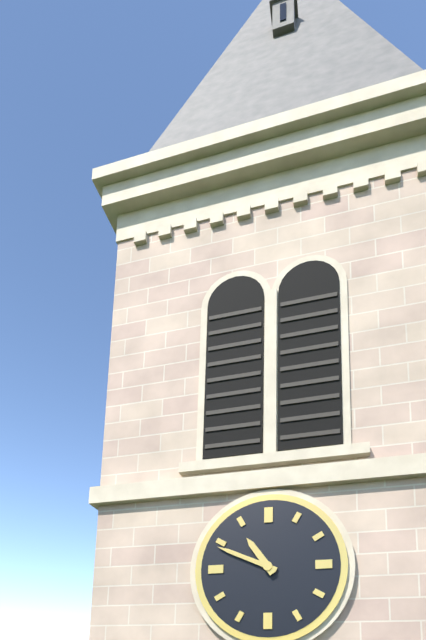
10:49
